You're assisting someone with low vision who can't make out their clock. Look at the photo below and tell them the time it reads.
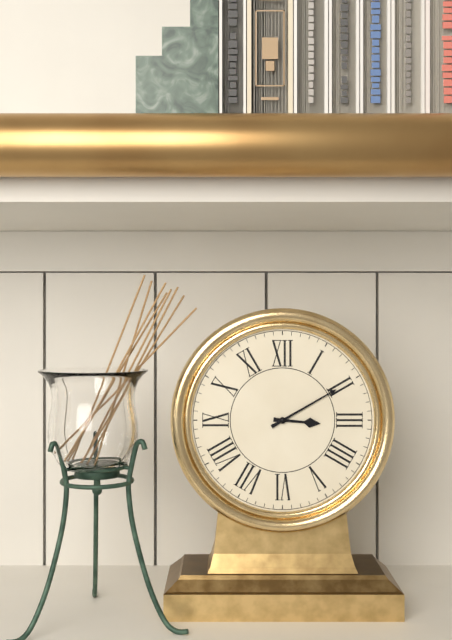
3:10
